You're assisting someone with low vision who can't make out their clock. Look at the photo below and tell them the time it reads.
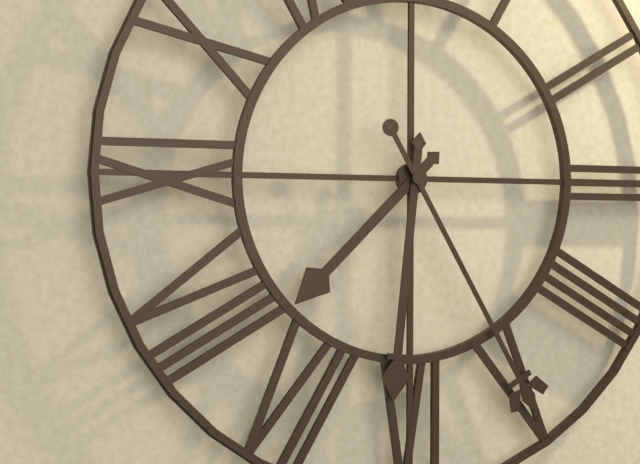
7:31:25
